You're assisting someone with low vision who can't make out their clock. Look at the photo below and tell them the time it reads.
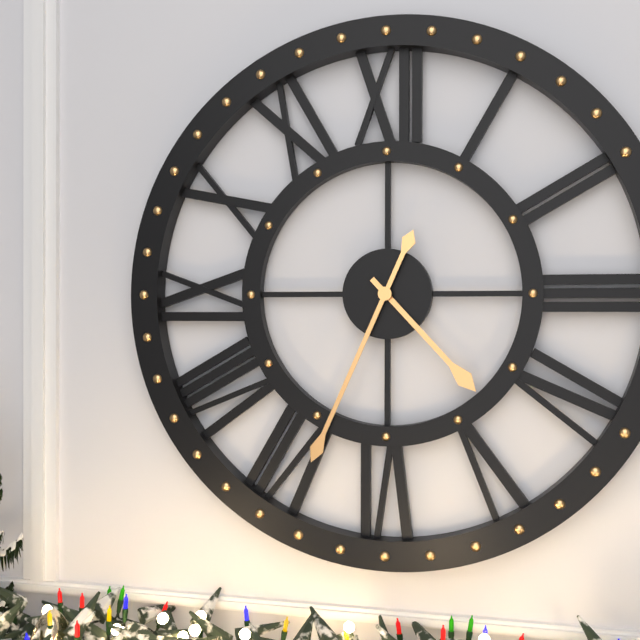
4:34
